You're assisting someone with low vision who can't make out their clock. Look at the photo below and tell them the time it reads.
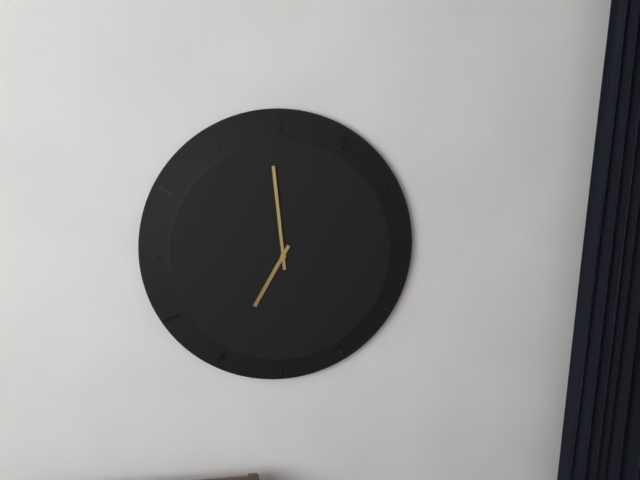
6:59
